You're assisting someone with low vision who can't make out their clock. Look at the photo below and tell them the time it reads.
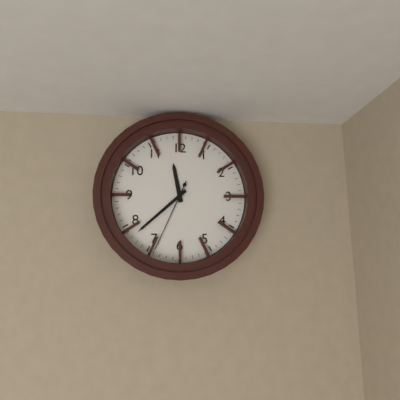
11:38:34
